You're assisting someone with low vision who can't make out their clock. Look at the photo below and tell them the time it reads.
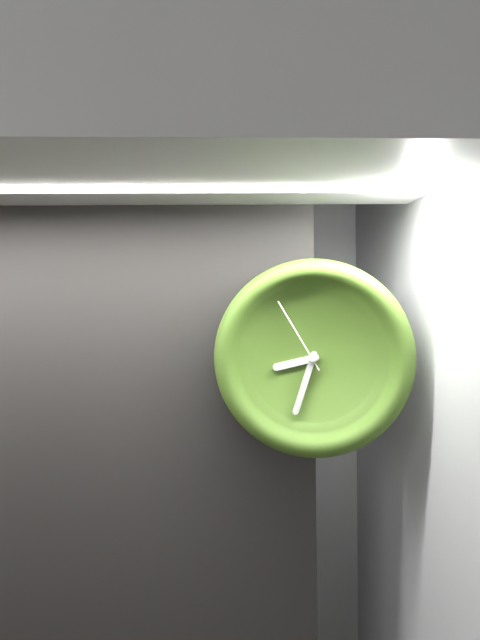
8:33:55
